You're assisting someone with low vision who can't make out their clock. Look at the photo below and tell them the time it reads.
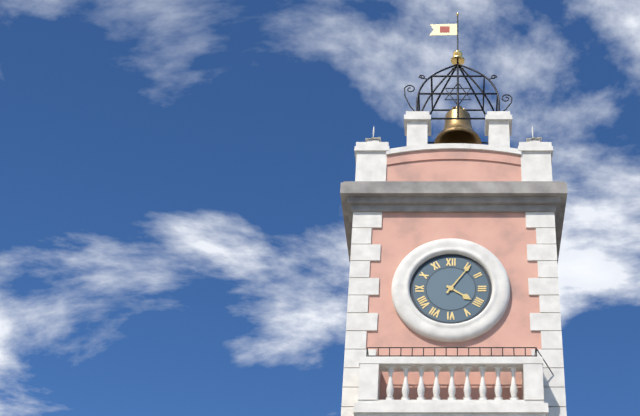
4:06
